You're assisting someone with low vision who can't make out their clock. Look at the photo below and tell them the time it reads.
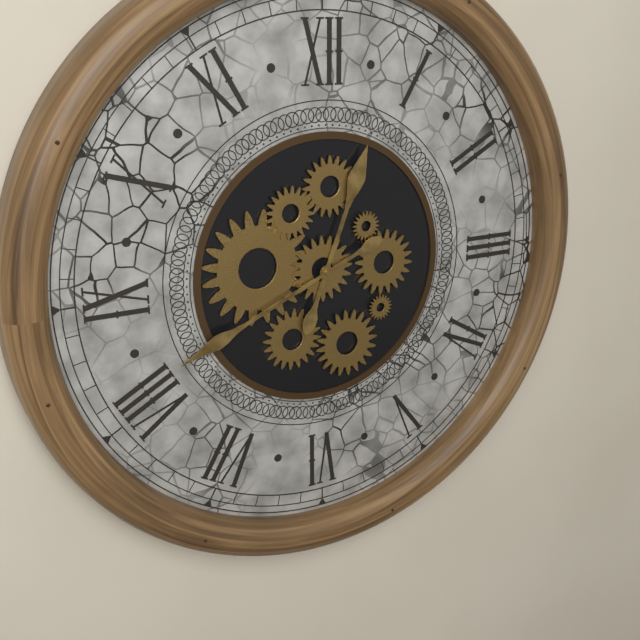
12:41
